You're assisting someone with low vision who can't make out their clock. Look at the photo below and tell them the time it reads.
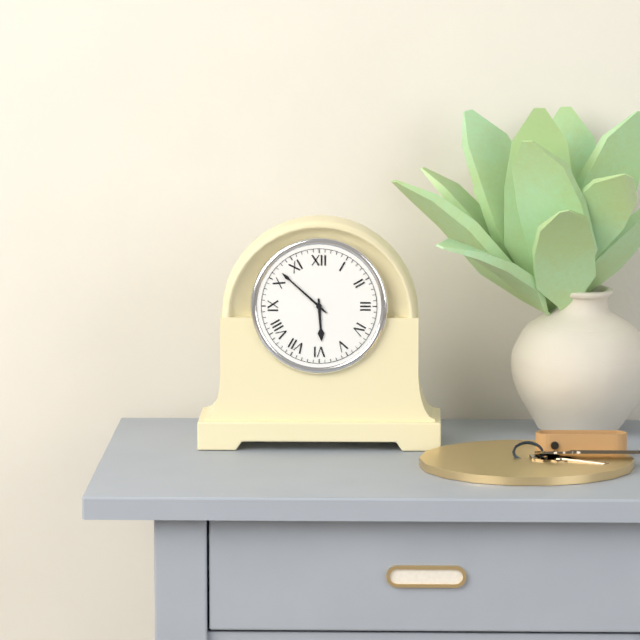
5:52
